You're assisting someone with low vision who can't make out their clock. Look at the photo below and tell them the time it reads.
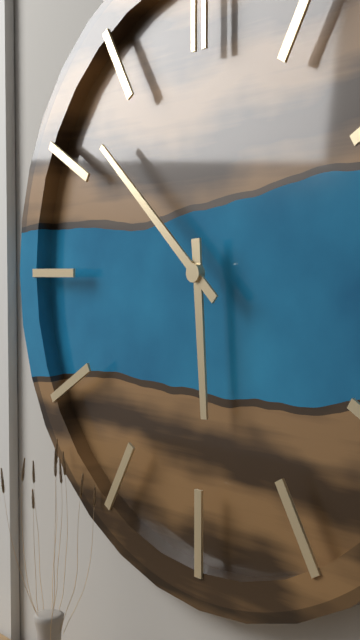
5:52
